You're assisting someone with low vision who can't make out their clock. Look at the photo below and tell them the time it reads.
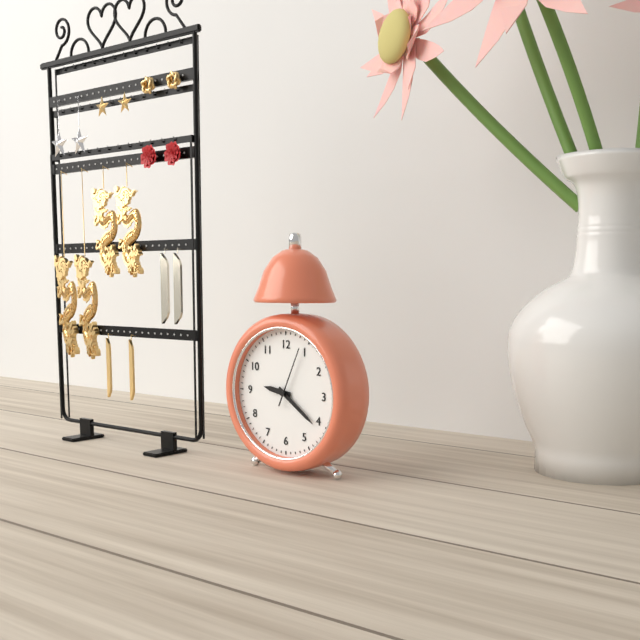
9:21:04
